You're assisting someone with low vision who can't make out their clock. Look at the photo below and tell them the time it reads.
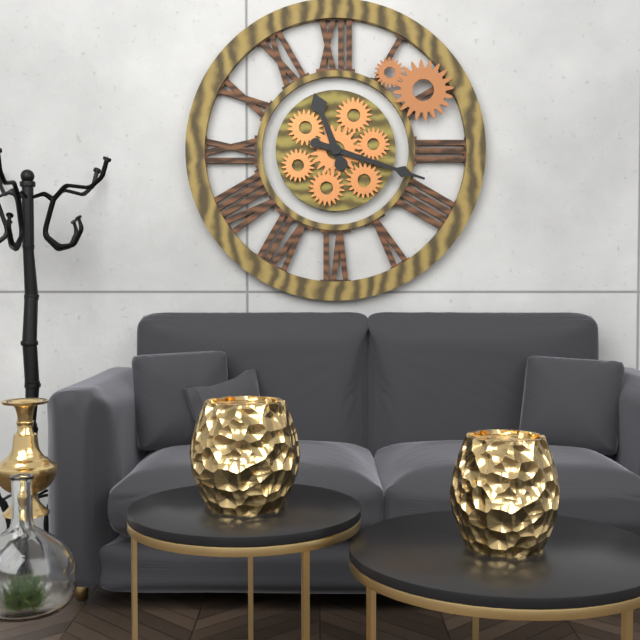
11:18
